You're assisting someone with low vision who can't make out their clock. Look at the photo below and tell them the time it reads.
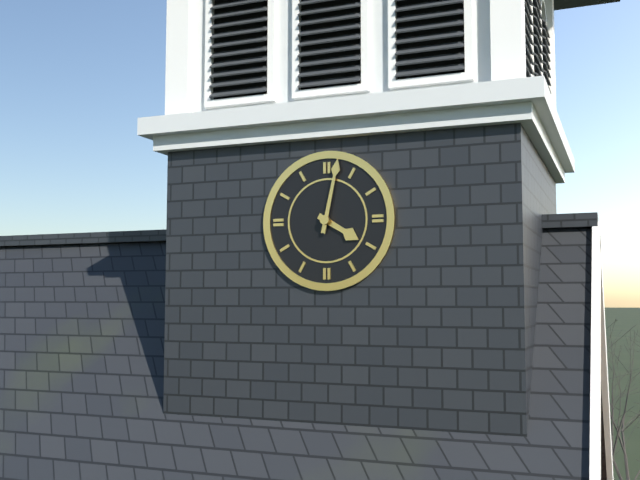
4:02
